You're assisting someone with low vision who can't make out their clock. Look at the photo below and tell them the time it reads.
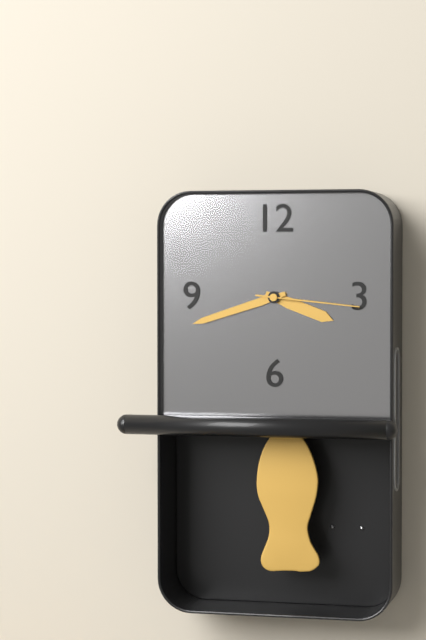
3:42:16
